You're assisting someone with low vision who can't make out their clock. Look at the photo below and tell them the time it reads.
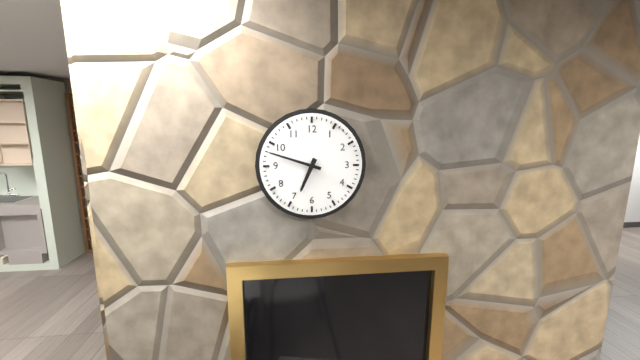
6:48
